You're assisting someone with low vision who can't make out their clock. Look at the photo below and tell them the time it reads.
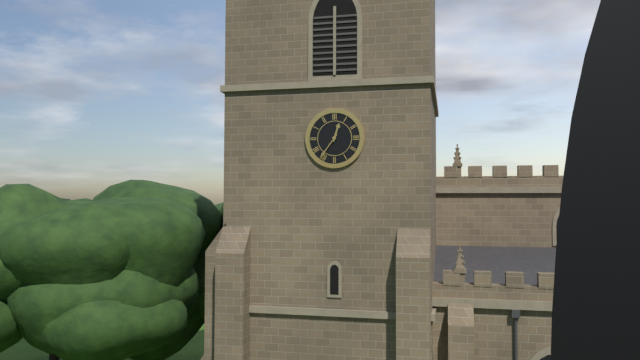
12:36
